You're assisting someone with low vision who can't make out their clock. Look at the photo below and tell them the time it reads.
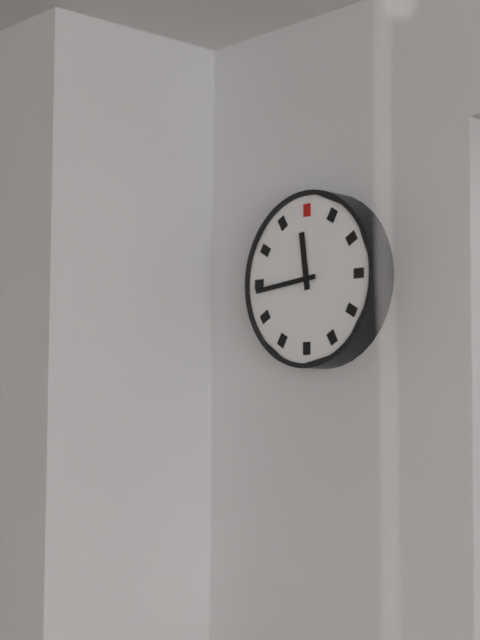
11:44
